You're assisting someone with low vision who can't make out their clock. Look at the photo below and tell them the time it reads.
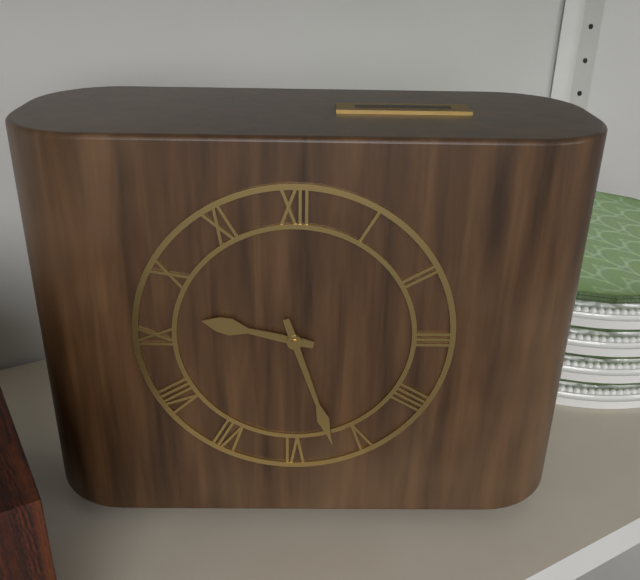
9:27
